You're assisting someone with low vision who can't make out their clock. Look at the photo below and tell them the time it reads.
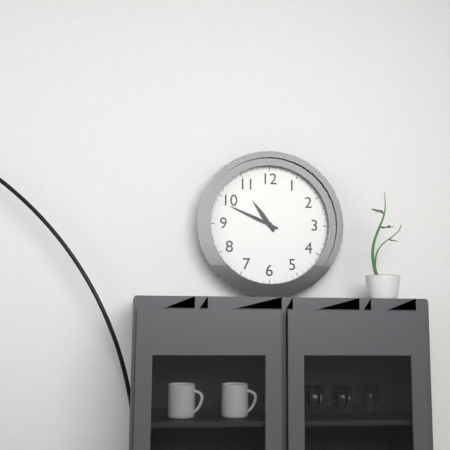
10:49
